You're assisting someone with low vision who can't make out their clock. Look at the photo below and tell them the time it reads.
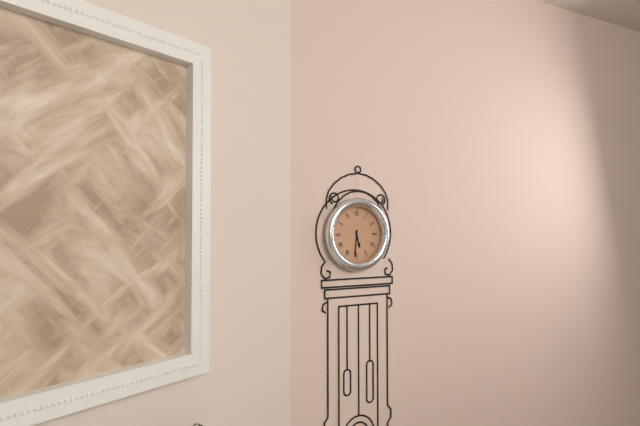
5:31
